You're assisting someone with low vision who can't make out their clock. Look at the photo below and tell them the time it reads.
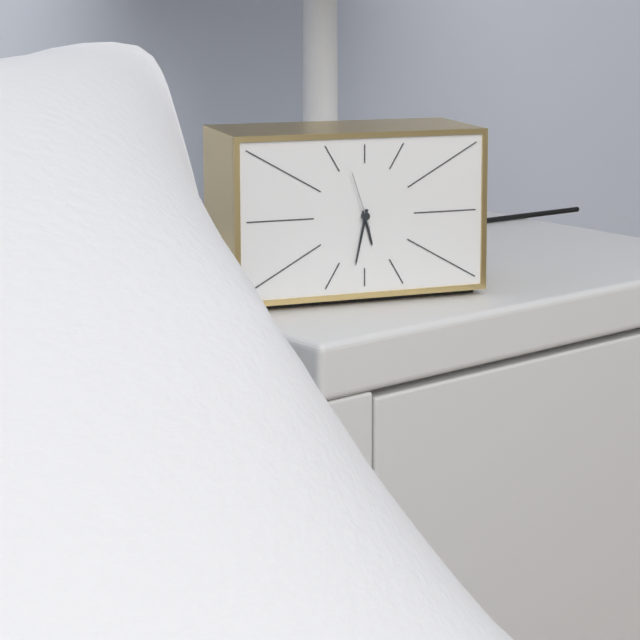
5:32:57
